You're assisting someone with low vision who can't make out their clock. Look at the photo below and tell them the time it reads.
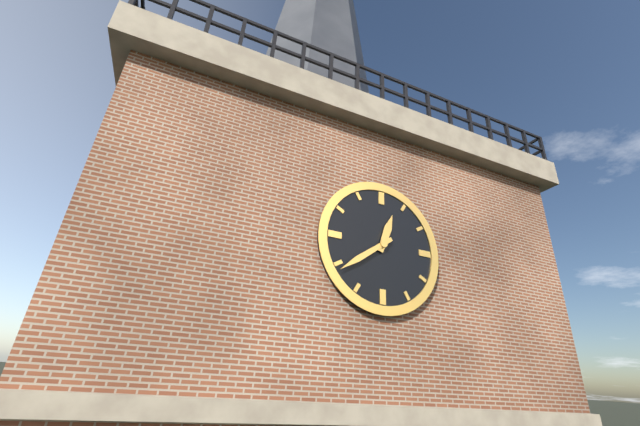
12:39
